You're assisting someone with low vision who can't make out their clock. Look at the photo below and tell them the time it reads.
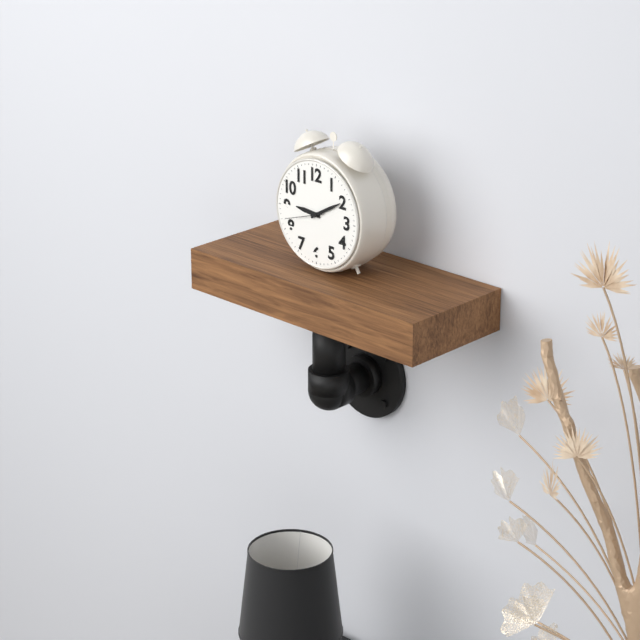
9:10
